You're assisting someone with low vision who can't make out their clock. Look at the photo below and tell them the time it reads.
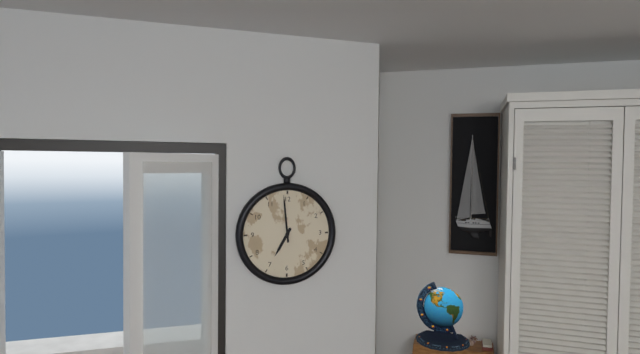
6:59
